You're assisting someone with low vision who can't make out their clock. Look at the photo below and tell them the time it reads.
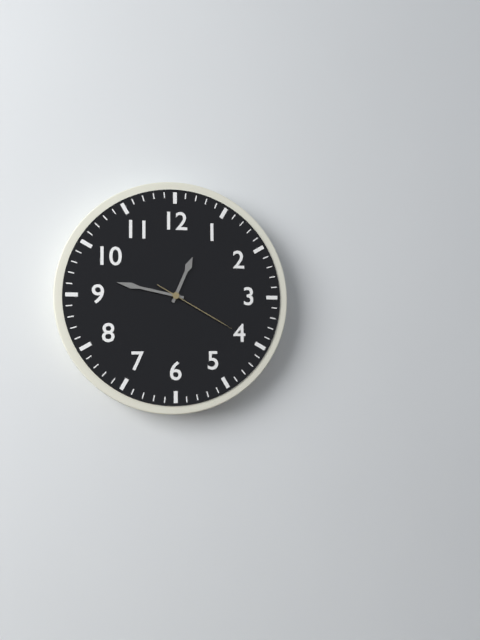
12:47:20
